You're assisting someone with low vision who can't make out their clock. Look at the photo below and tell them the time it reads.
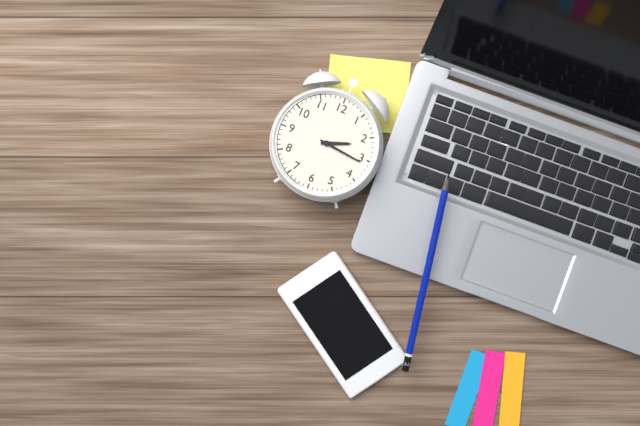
2:16
